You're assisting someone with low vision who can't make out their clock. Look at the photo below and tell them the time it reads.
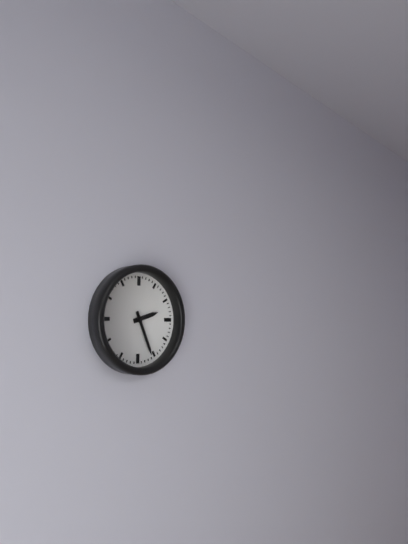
2:26
